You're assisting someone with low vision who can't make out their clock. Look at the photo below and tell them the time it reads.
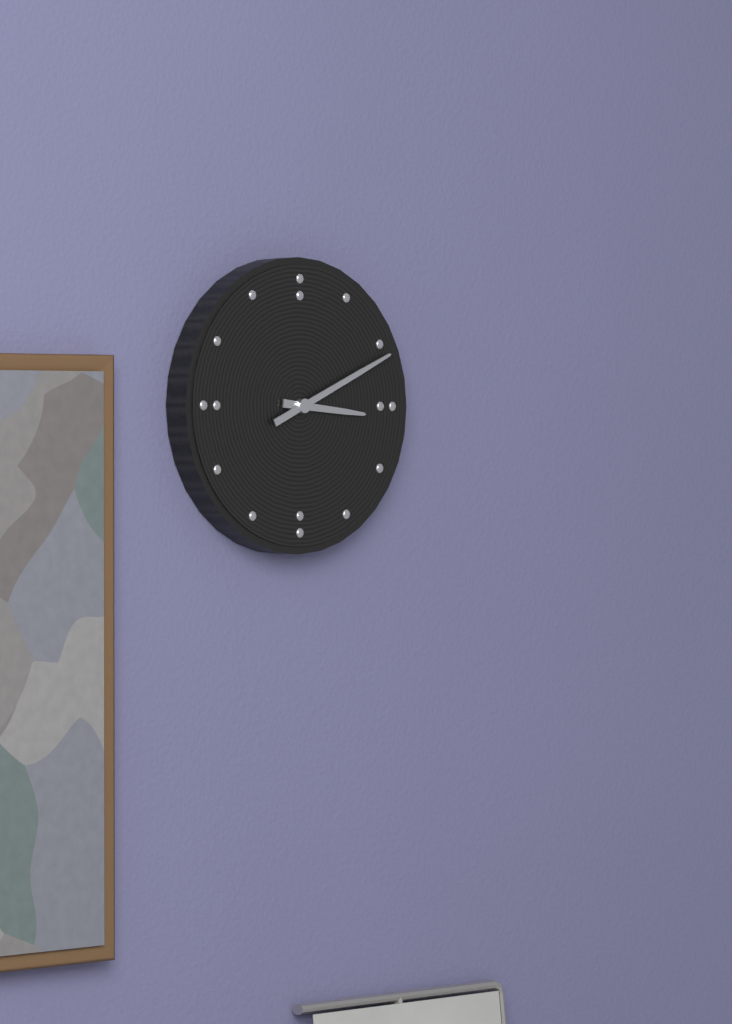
3:11
